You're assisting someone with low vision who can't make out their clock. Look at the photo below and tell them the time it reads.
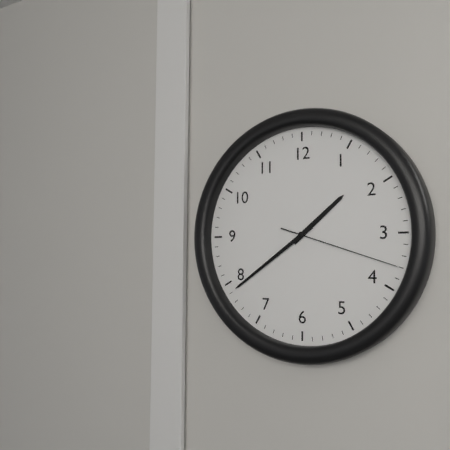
1:39:18
